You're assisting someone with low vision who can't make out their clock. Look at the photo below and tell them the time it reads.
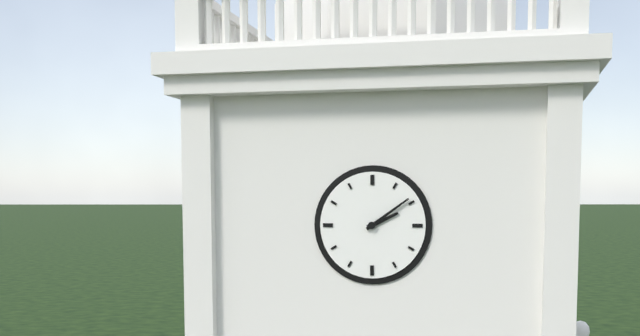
2:09
